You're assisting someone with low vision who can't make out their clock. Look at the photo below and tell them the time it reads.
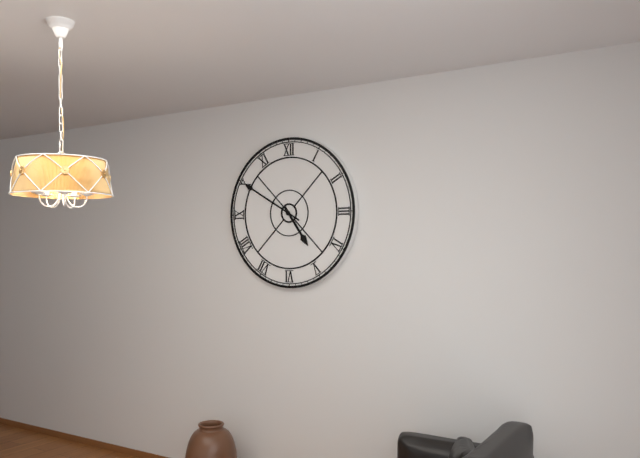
4:50
